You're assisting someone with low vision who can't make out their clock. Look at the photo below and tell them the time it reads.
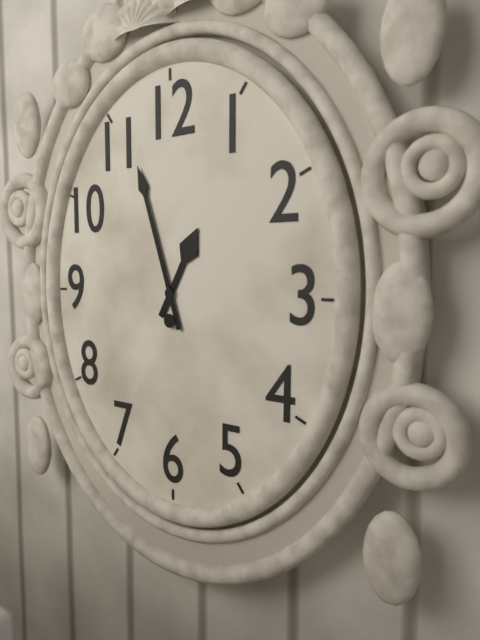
12:57
